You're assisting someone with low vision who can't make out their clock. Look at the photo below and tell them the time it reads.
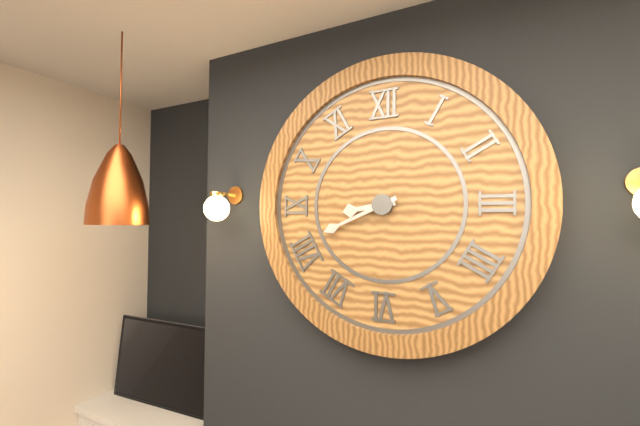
8:41
